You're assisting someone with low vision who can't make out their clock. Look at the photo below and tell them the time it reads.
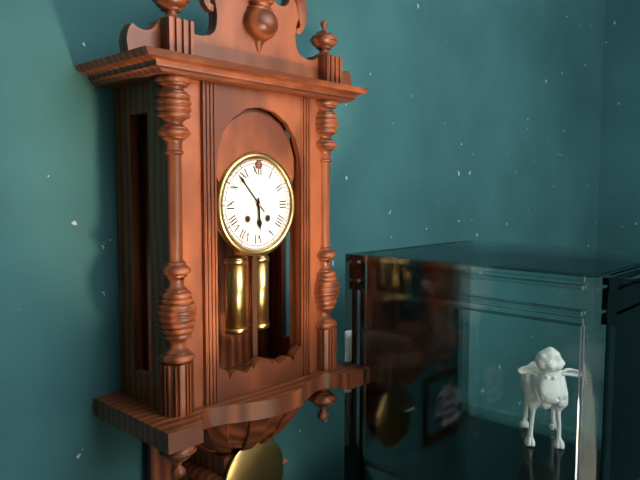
5:53
